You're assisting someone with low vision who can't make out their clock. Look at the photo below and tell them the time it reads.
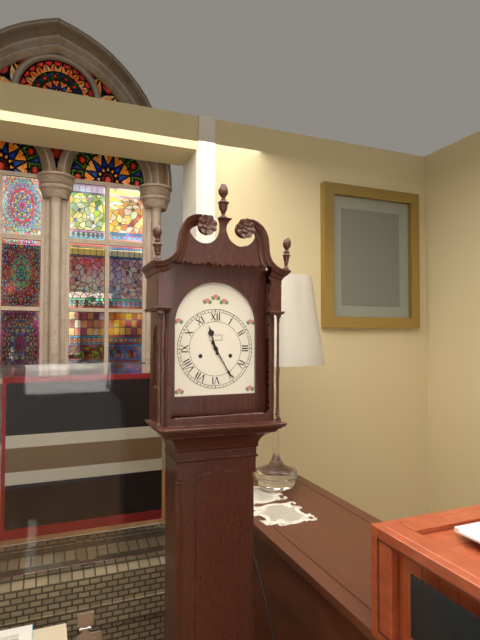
11:25
